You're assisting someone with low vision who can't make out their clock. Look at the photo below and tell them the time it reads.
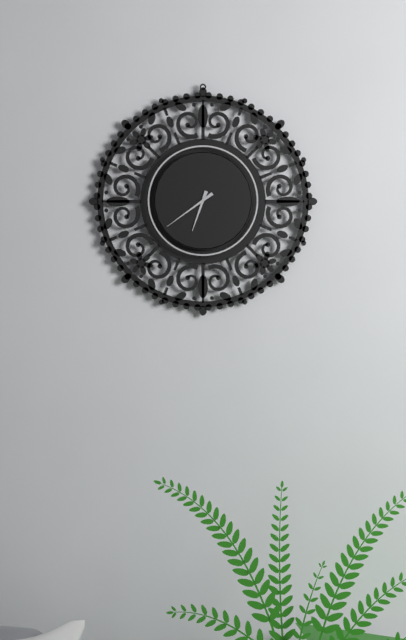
6:39
